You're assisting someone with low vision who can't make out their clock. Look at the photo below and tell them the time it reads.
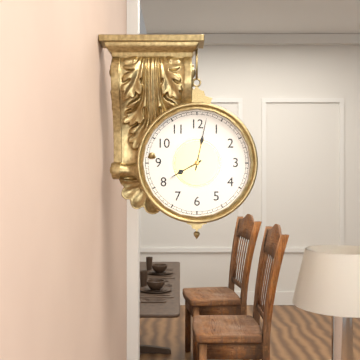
8:02
